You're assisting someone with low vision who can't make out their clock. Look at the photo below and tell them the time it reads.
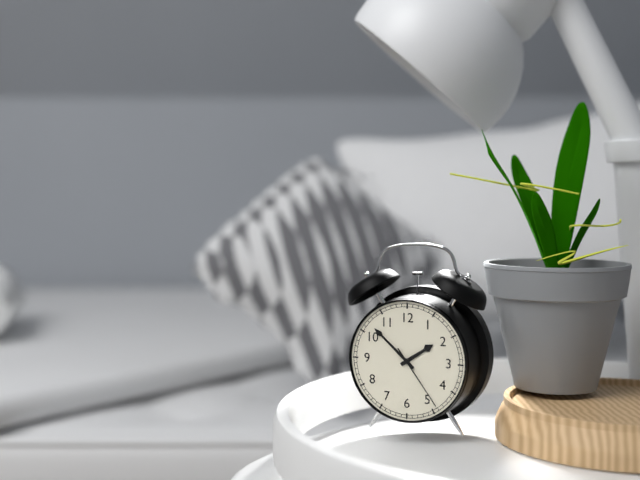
1:52:24
